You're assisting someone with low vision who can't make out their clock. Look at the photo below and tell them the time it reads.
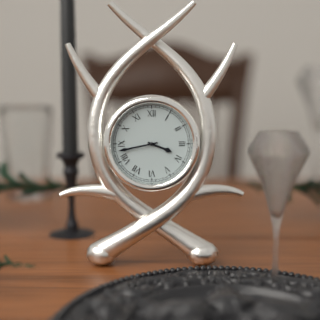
3:43
